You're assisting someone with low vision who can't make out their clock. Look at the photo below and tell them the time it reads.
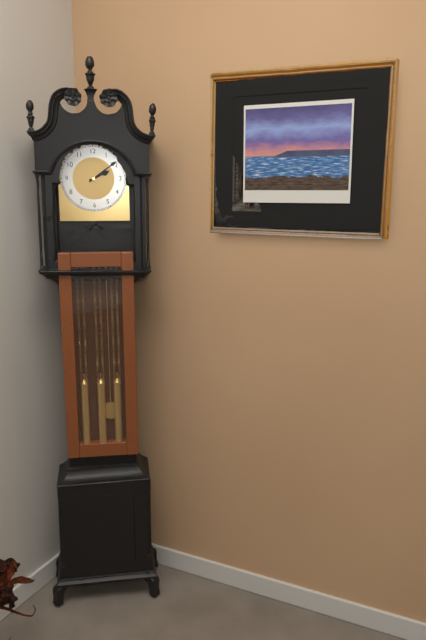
2:09
